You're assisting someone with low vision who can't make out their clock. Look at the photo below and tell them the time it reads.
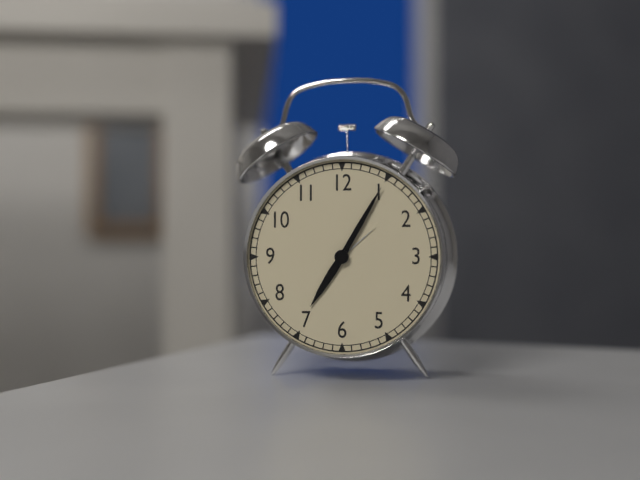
7:05
